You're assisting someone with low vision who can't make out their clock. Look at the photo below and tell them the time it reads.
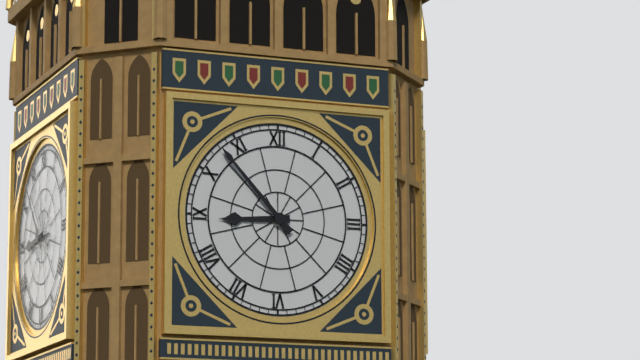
8:53
